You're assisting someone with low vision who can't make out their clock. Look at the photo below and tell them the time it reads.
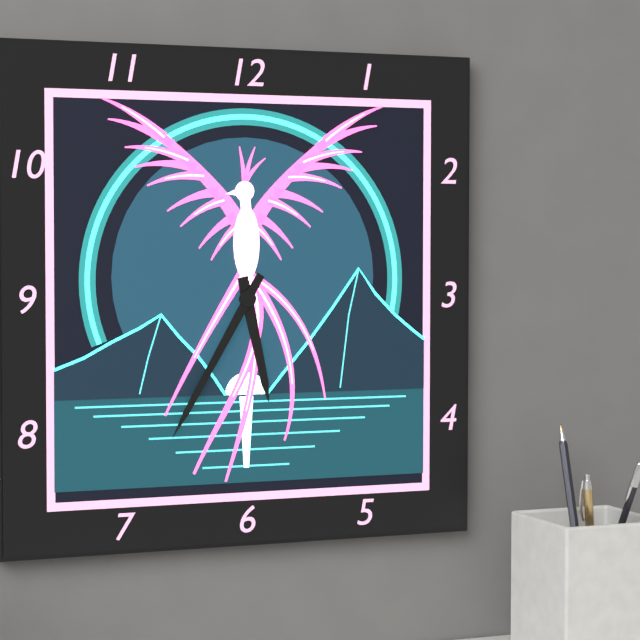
5:35
